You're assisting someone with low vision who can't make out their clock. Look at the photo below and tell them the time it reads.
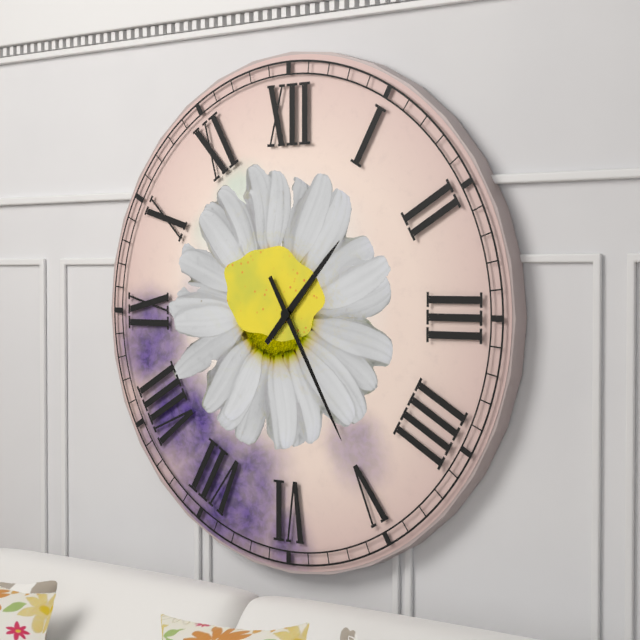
1:25
